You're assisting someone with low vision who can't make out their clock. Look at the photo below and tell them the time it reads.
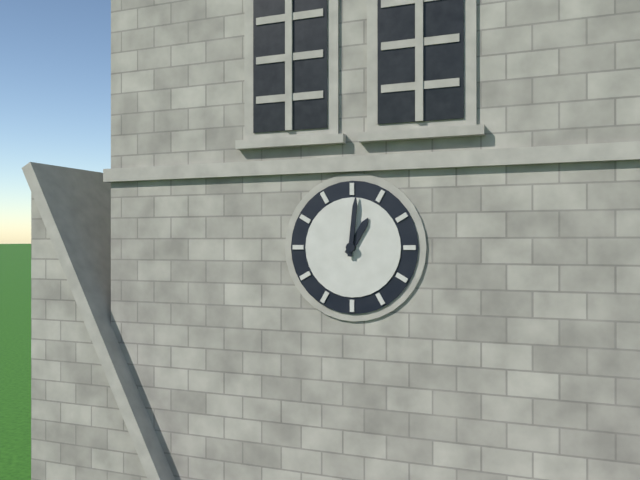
1:01
